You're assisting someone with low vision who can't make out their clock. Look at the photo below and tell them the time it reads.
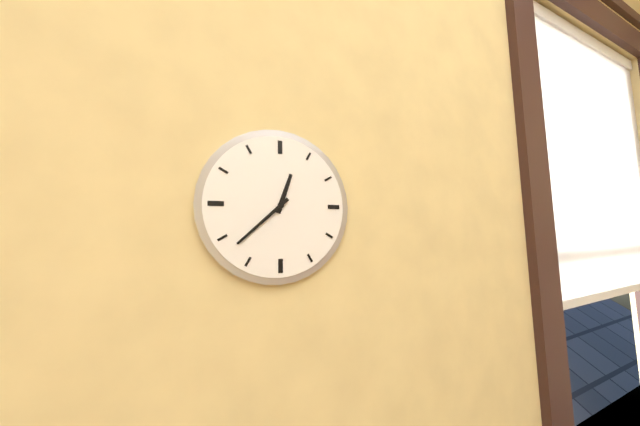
12:38
